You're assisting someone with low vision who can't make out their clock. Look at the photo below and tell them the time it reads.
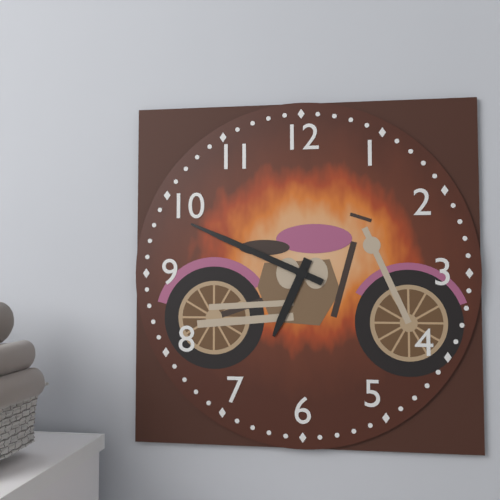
6:49
